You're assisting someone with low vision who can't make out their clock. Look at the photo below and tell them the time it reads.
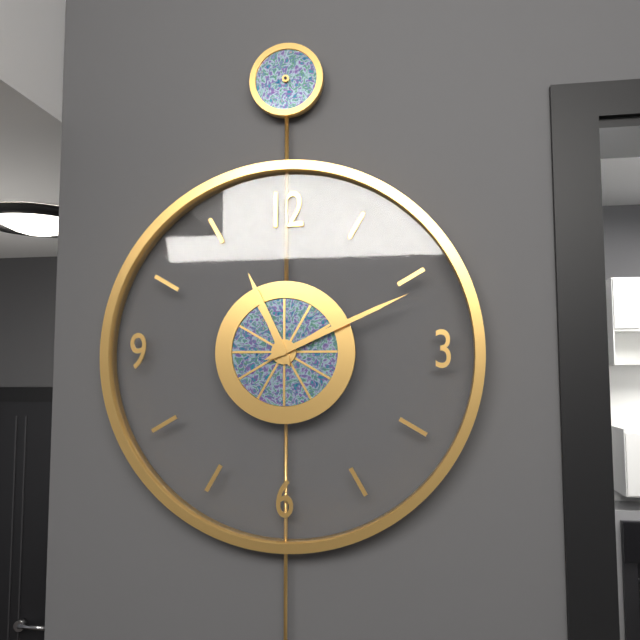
11:11
